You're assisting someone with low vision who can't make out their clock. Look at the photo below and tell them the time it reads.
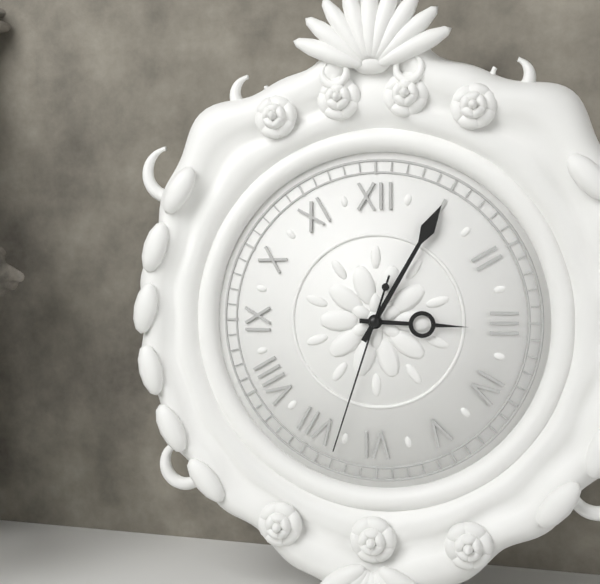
3:05:33
